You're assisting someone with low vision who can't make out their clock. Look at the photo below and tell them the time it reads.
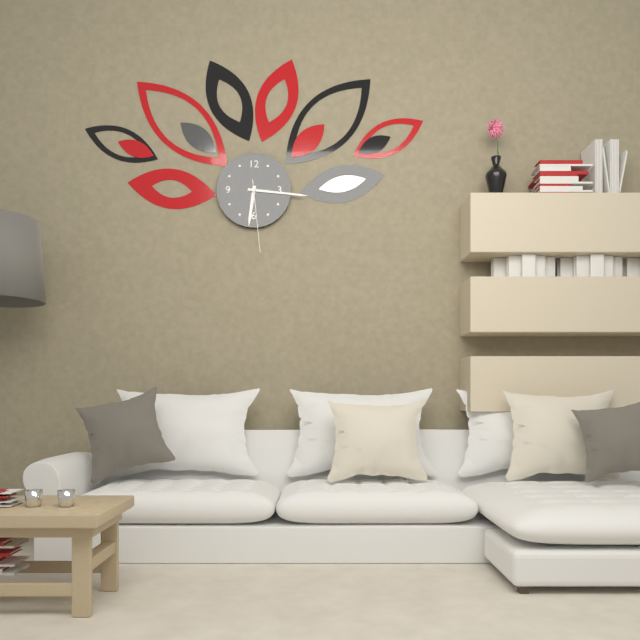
6:16:29
